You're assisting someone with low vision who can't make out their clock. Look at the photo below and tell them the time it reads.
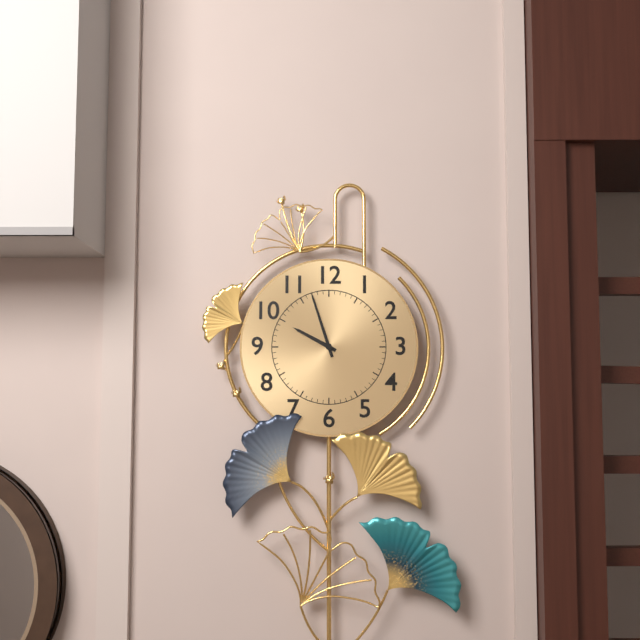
9:57
